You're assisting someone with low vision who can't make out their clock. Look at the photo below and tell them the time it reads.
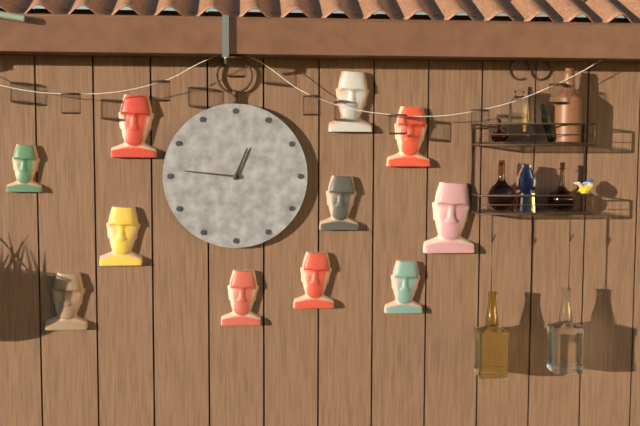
12:46
